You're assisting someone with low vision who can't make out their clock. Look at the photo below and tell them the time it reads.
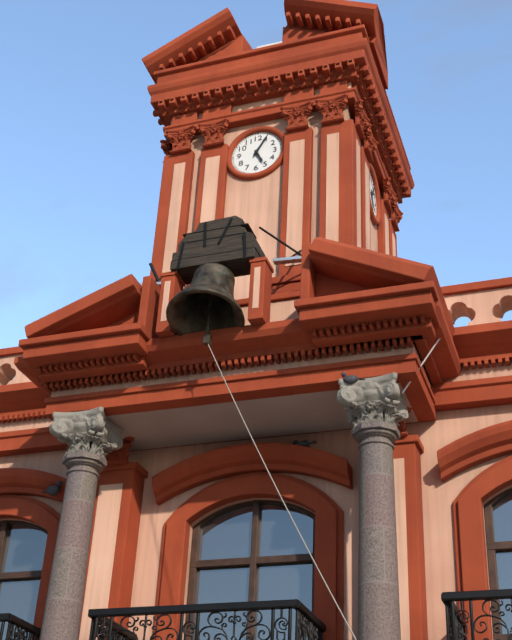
5:05
